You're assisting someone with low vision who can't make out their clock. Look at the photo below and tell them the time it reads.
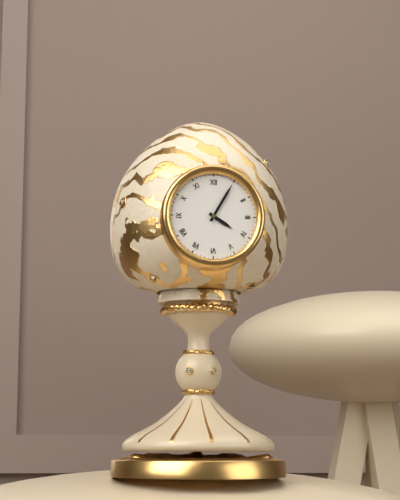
4:05
